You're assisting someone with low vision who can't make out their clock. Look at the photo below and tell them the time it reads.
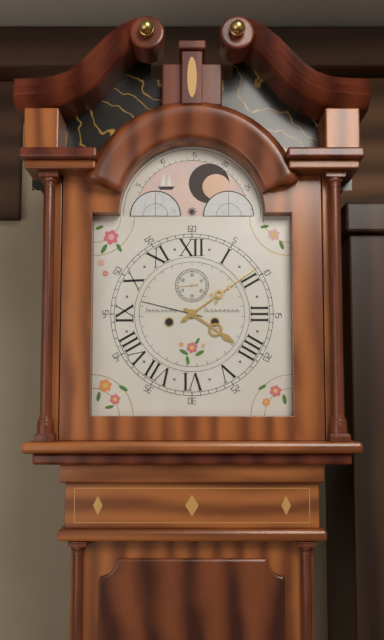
4:09
